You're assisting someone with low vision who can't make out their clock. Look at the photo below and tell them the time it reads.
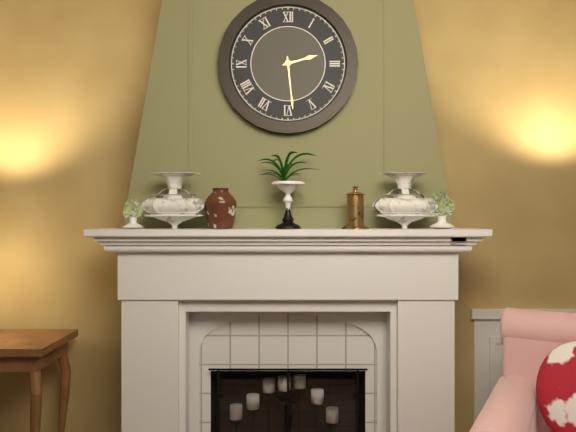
2:29
